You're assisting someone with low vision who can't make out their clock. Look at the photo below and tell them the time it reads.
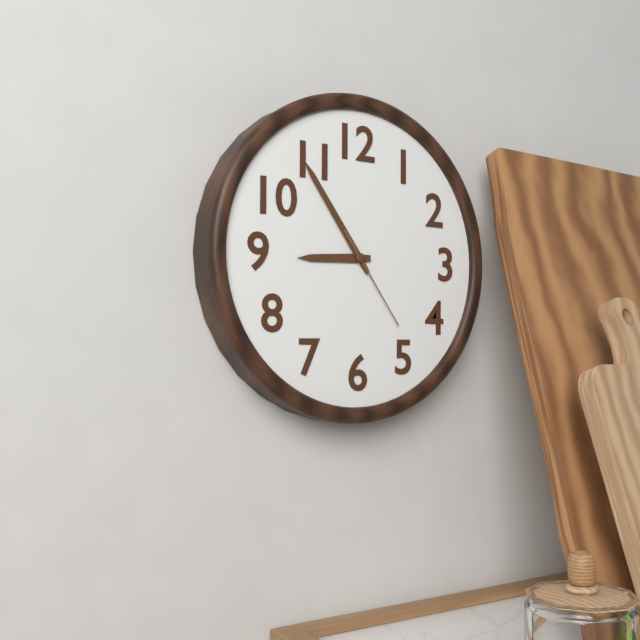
8:54:24
